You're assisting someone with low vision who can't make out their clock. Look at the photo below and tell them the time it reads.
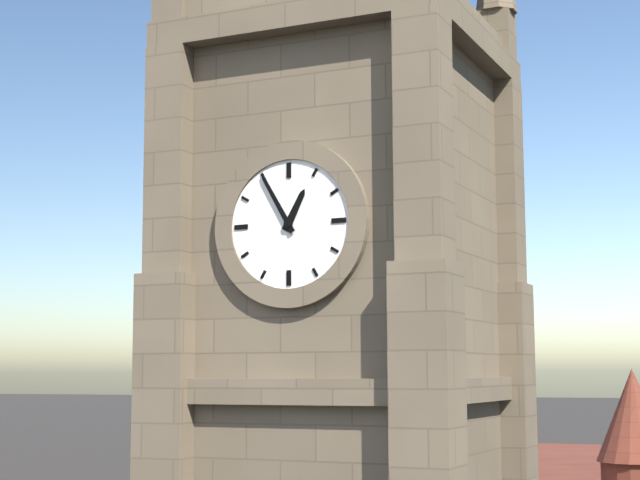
12:55
